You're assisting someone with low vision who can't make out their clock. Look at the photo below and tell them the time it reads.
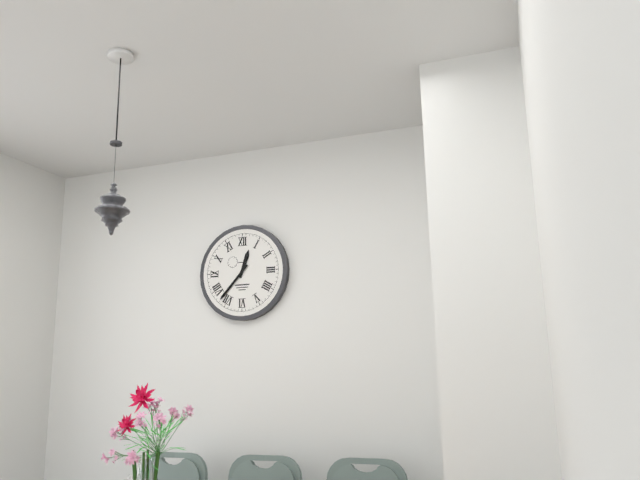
12:37
